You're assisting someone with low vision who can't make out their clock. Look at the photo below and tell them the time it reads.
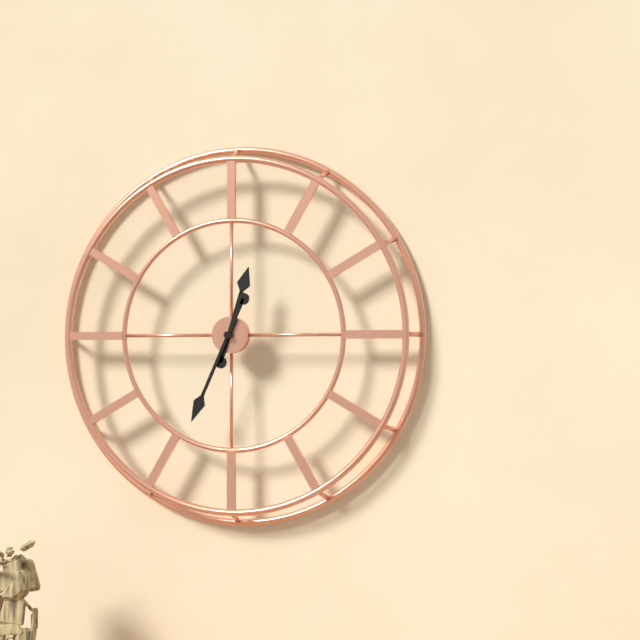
12:34
